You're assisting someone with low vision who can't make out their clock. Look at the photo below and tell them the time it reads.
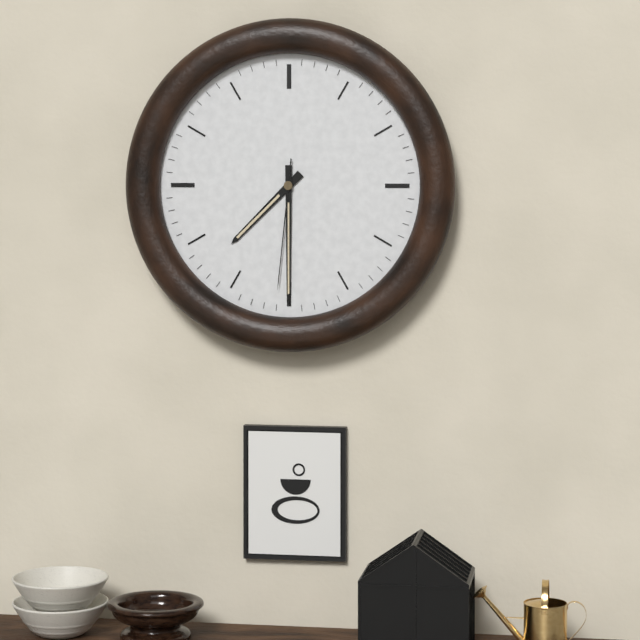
7:30:31
